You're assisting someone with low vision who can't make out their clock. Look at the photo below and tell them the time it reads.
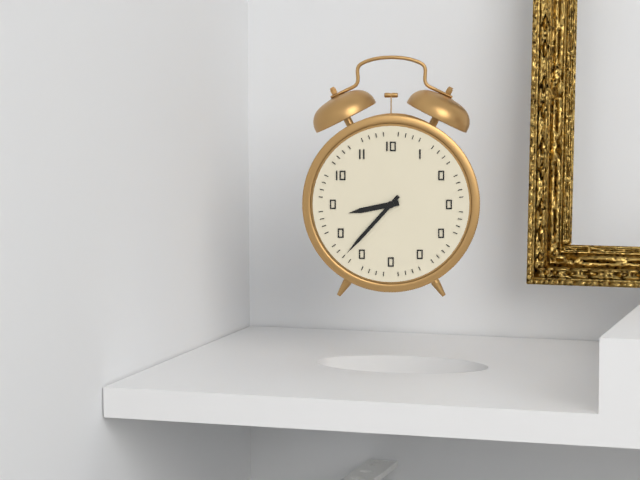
8:37
